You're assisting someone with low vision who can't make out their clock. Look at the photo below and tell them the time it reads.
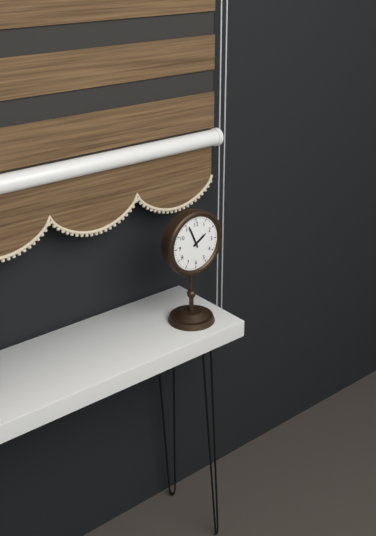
1:56
